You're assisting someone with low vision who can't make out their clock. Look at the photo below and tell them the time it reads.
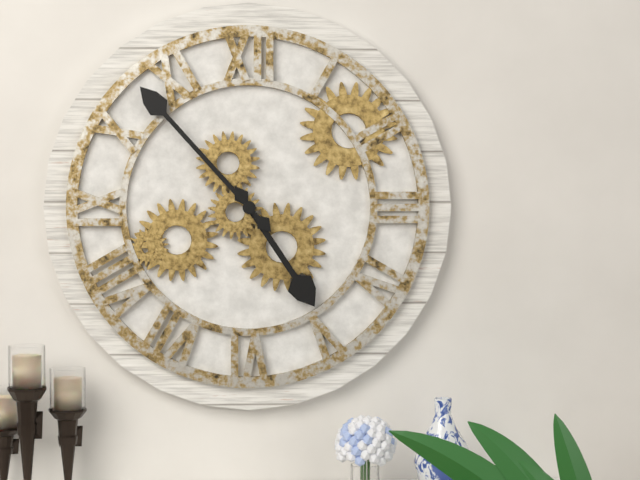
4:53
